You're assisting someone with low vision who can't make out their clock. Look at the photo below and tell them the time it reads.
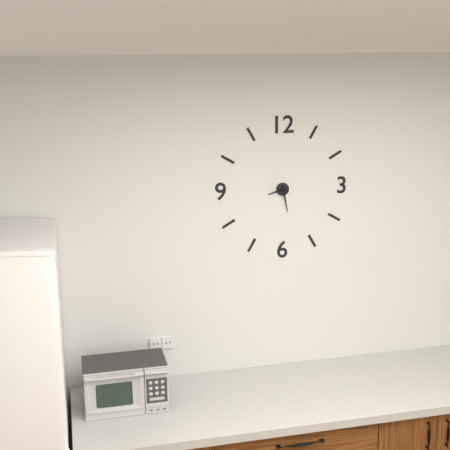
8:28
